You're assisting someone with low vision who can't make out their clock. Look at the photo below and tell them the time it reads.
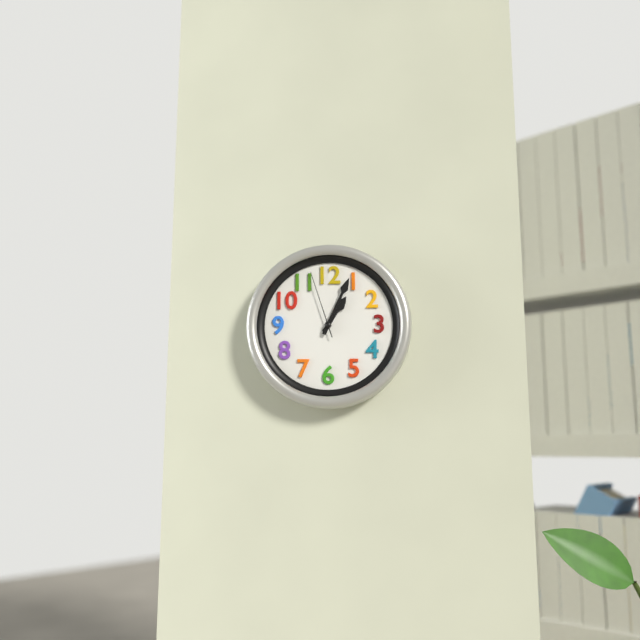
1:04:57
